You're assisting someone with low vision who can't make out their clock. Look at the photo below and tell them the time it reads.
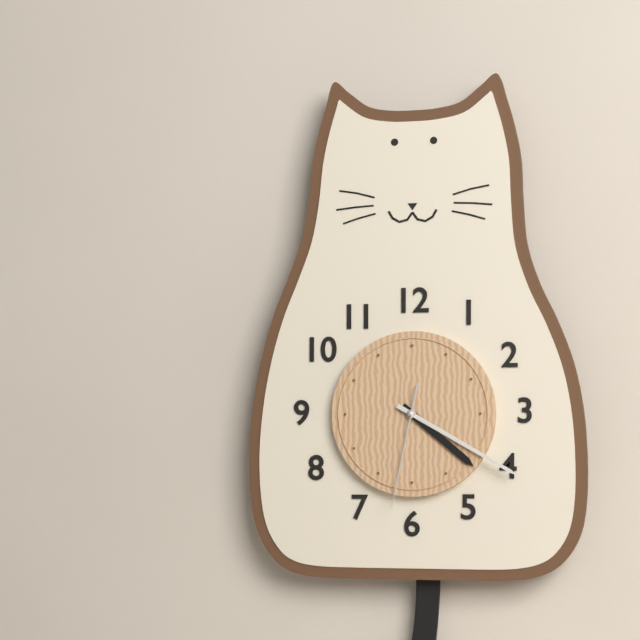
4:20:32
